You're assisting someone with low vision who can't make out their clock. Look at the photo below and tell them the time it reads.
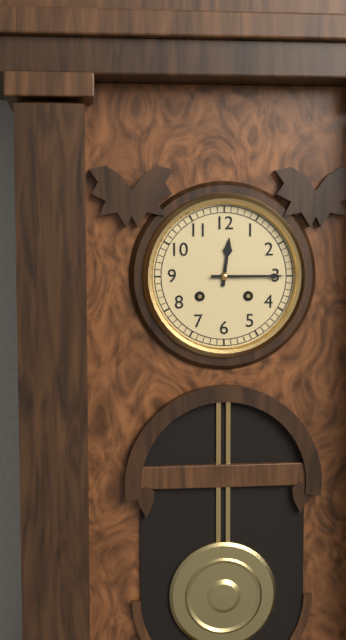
12:15
